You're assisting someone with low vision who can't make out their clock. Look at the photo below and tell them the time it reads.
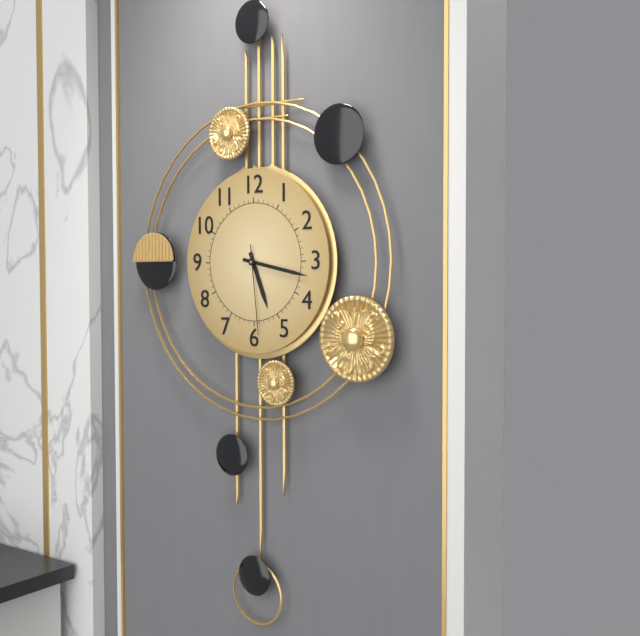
5:17:29
